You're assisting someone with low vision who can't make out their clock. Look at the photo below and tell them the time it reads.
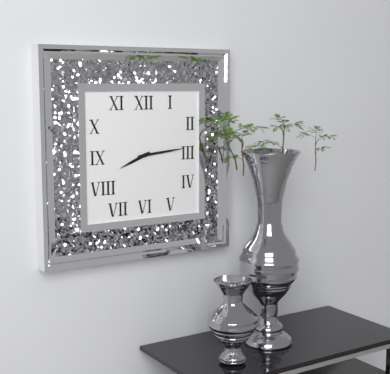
8:14
